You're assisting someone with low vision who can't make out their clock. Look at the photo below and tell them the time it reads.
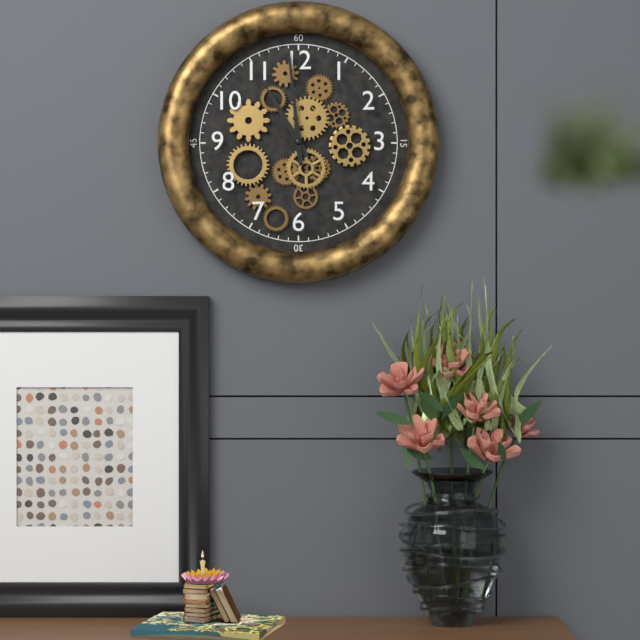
10:59
